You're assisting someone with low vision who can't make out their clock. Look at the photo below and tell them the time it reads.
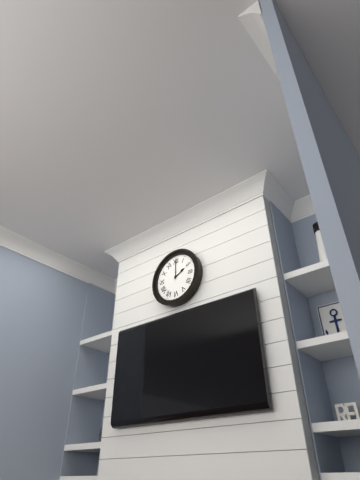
2:00
